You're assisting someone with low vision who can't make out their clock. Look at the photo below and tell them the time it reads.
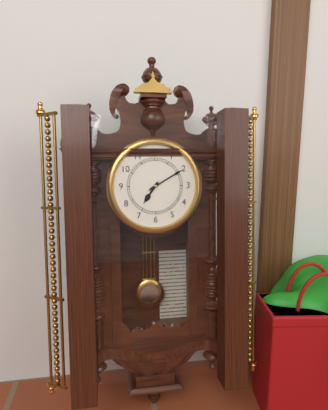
7:10
